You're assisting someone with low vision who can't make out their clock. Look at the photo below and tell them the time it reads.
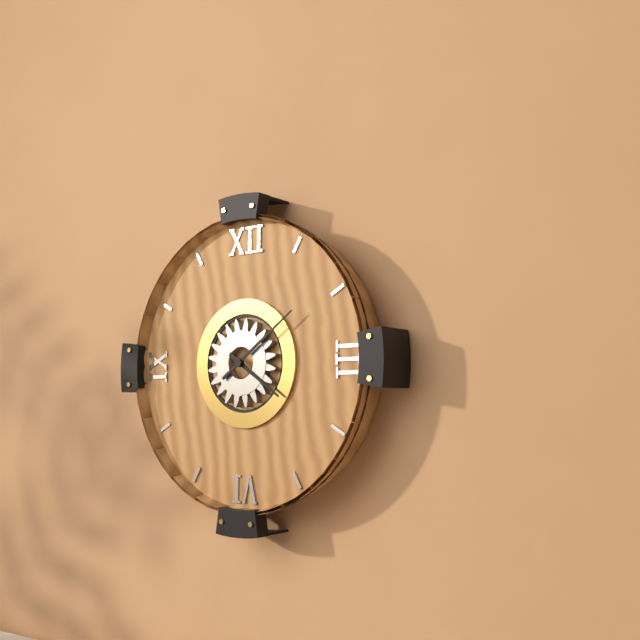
4:09
